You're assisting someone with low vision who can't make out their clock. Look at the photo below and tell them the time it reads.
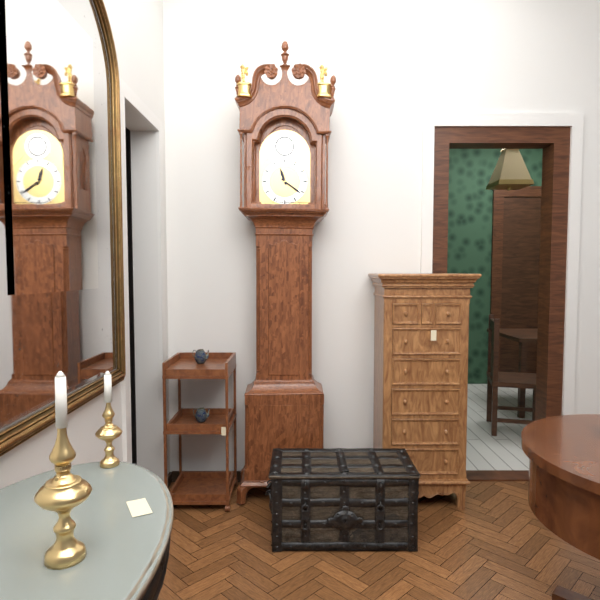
11:21
